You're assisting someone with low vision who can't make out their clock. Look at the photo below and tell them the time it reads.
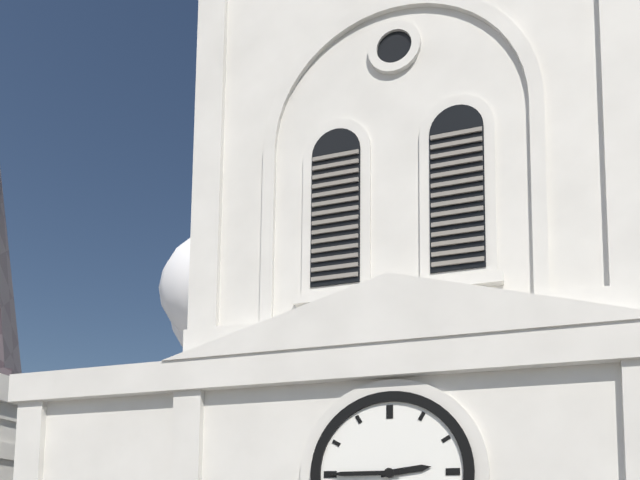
2:45
